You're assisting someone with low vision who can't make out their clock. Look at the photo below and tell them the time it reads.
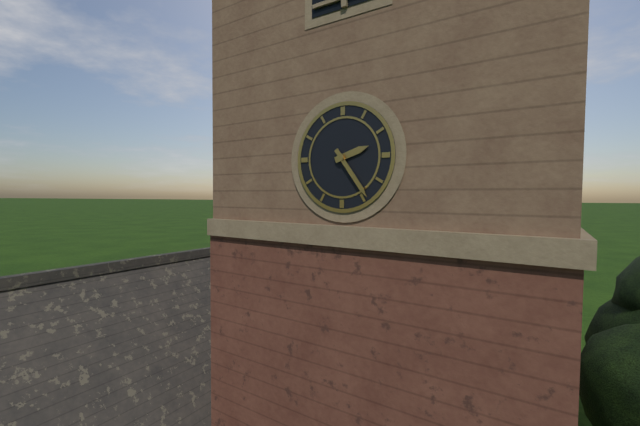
2:24
